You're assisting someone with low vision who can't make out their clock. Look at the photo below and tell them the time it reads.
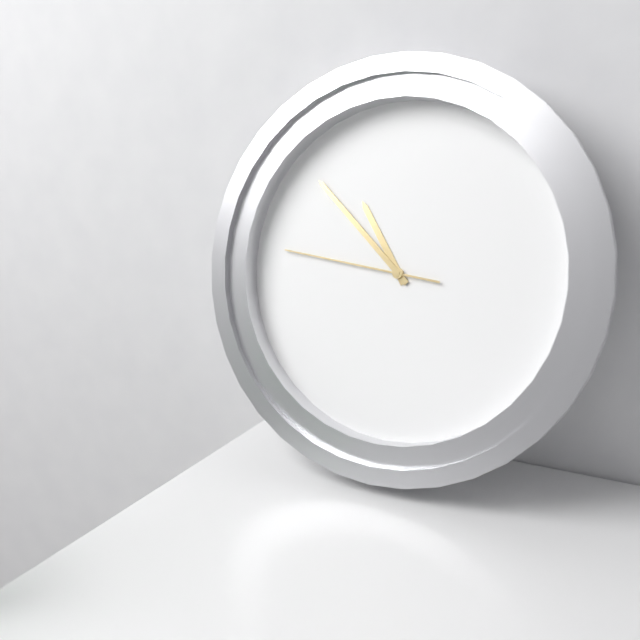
10:52:46
